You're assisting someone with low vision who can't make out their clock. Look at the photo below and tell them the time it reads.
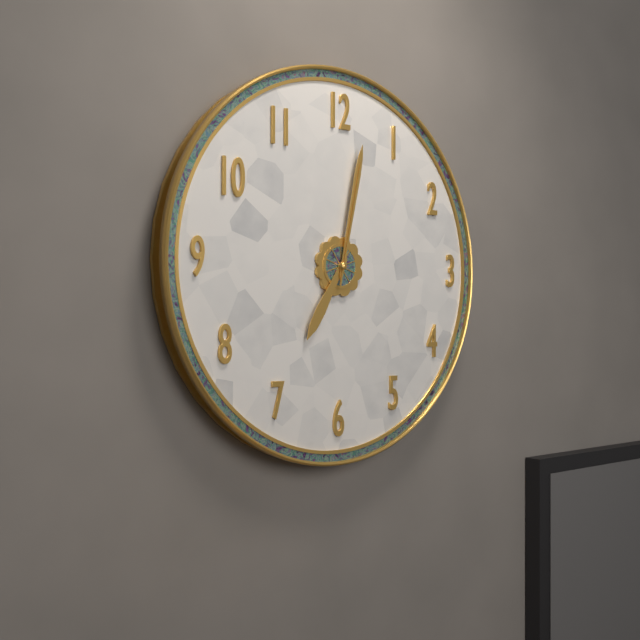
7:02:02
